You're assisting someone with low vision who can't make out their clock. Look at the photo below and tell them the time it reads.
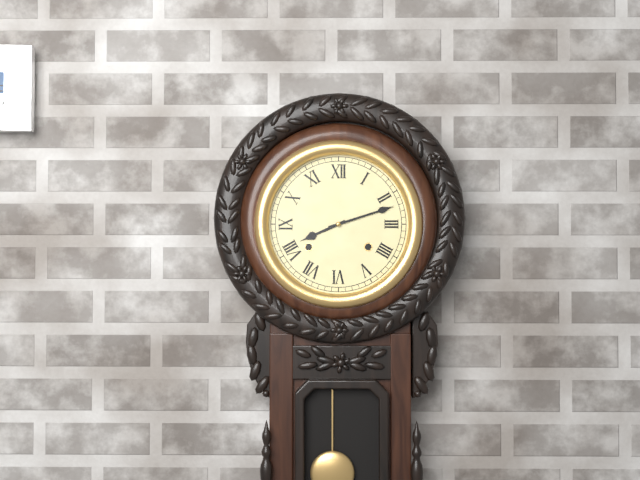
8:12
